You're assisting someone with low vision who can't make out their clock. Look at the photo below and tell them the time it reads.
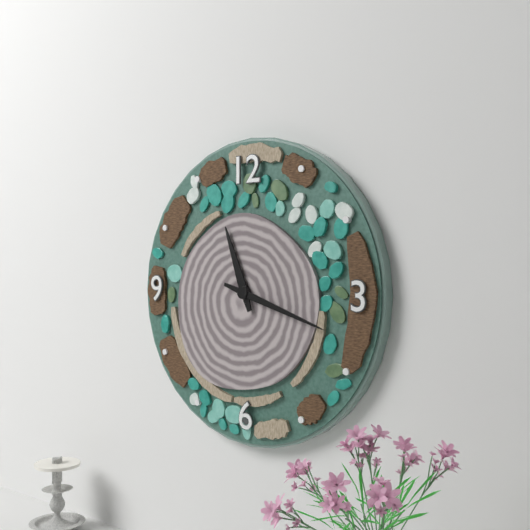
11:18
